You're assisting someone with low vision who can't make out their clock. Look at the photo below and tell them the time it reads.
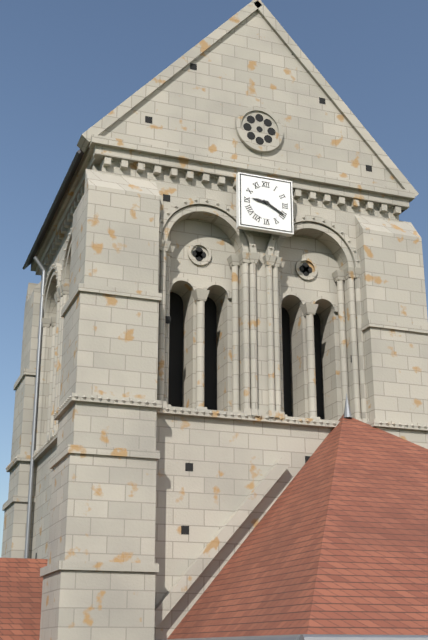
9:20
